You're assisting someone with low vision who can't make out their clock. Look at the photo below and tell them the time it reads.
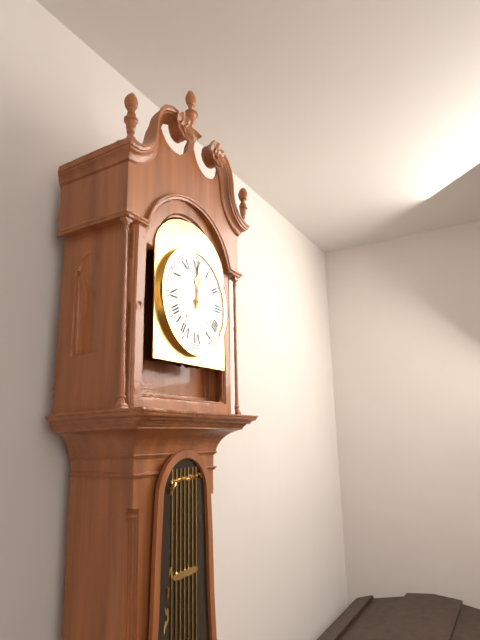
12:01
